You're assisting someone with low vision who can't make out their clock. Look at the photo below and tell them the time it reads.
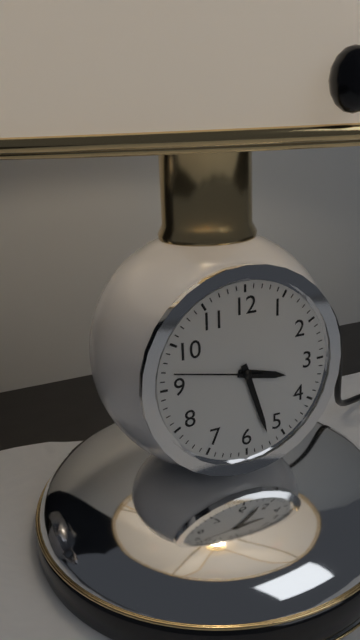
3:27:47
